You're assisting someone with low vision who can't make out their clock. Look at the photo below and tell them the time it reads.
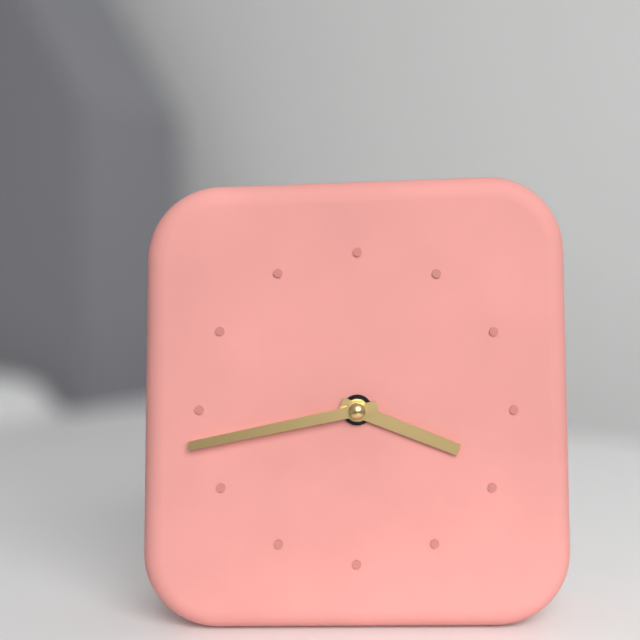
3:43
